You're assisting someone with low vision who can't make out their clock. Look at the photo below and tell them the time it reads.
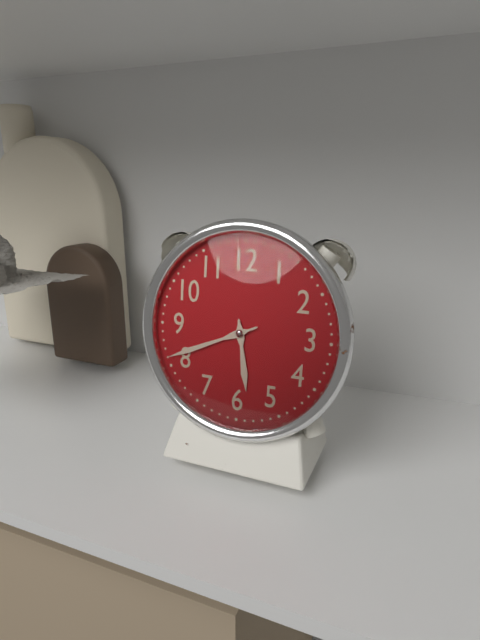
5:41
